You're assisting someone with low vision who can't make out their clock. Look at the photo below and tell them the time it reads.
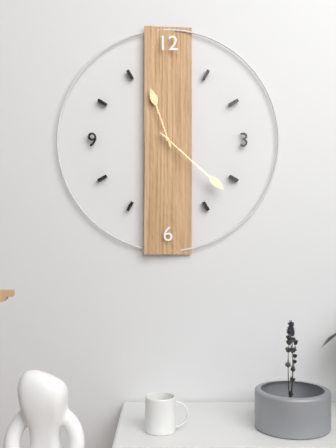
11:22
